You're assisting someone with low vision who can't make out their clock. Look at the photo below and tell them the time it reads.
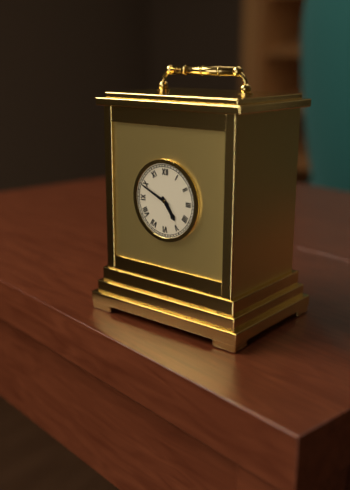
4:49
